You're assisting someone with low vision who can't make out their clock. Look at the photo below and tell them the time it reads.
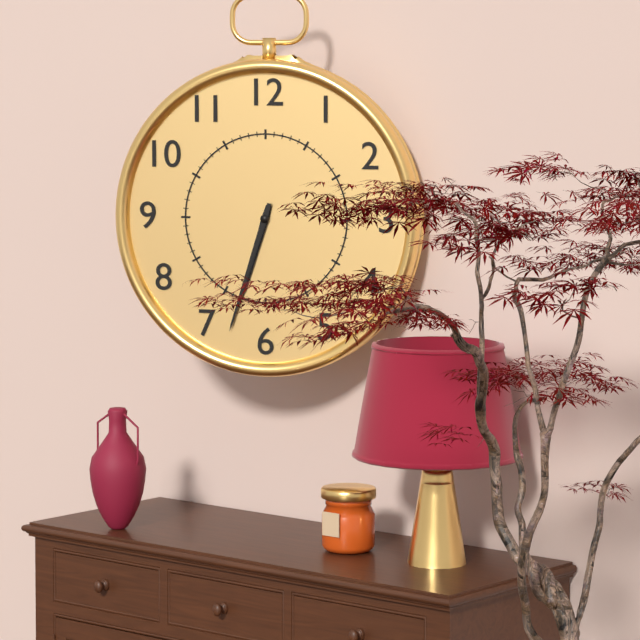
6:33
